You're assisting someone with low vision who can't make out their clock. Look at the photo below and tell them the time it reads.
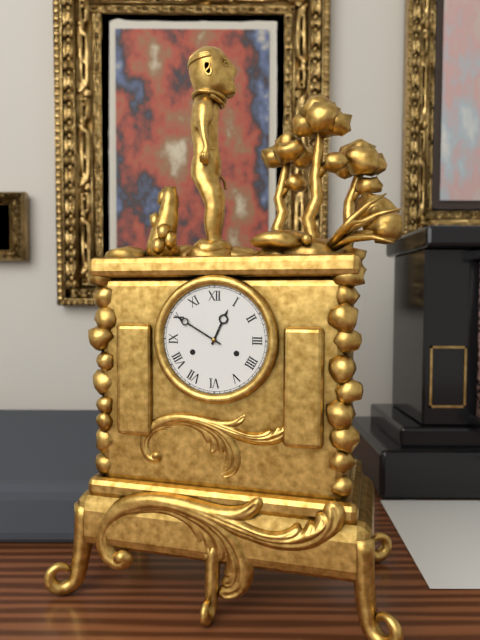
12:50
